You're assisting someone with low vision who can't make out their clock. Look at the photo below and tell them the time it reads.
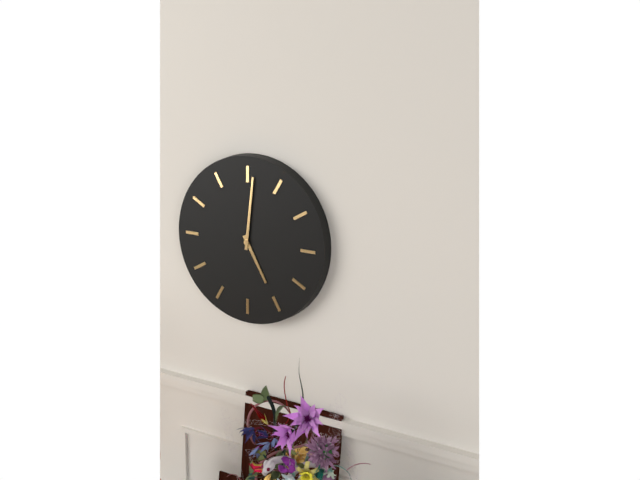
5:01
